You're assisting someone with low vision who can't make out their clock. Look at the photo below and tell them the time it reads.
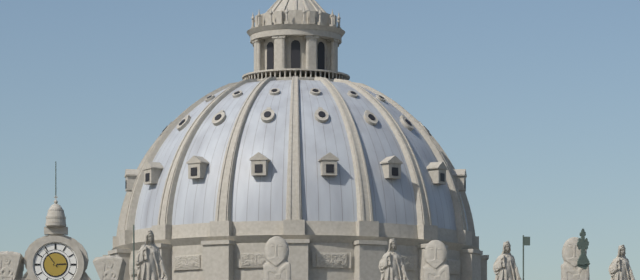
2:54
